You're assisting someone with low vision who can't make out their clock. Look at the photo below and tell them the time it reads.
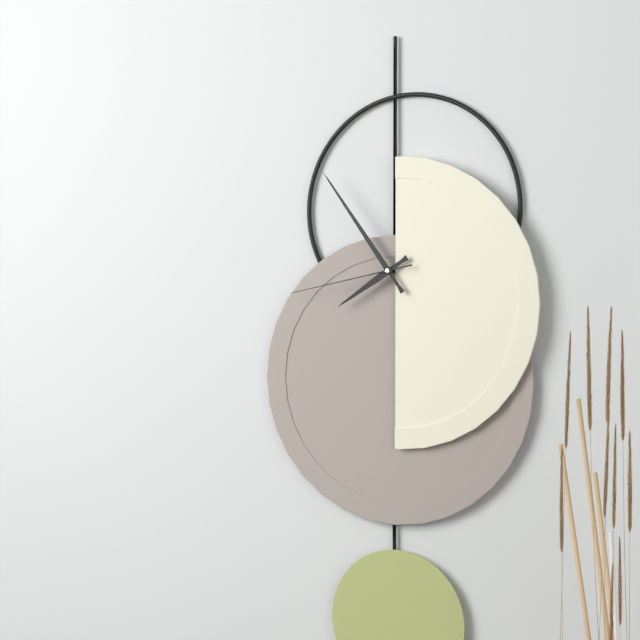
7:54:43
